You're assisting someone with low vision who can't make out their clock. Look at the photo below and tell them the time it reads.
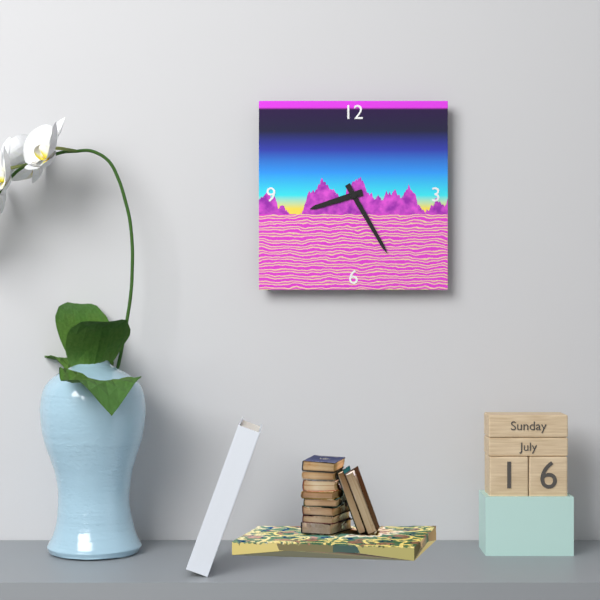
8:25
